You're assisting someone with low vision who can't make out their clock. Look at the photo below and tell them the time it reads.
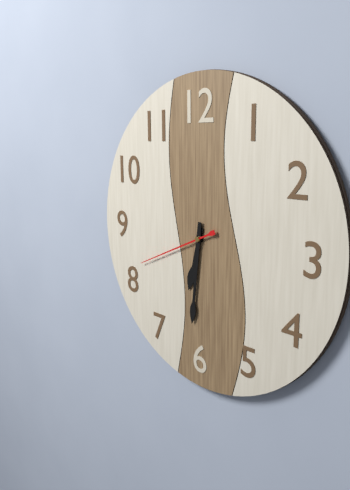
6:31:41
